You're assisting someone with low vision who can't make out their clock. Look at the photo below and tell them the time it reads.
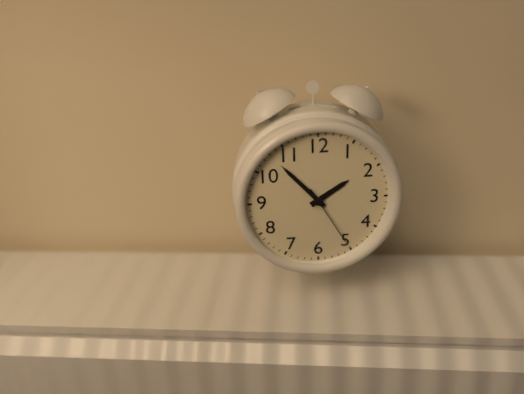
1:53:25
